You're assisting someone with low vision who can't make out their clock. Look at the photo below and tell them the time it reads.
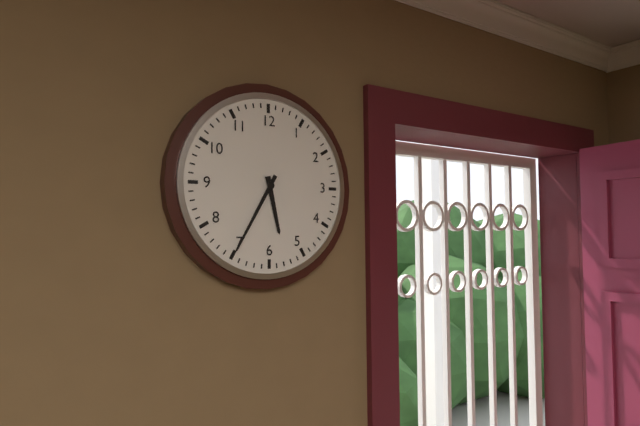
5:35
